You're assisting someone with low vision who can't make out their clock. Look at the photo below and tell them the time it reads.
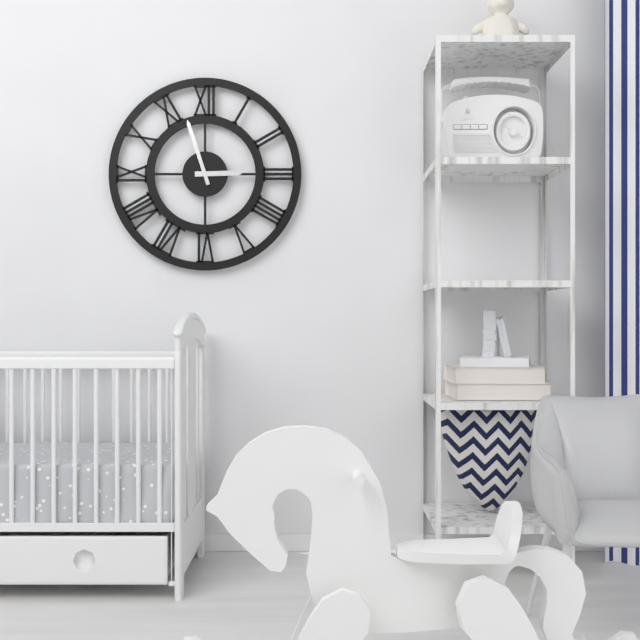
2:57
